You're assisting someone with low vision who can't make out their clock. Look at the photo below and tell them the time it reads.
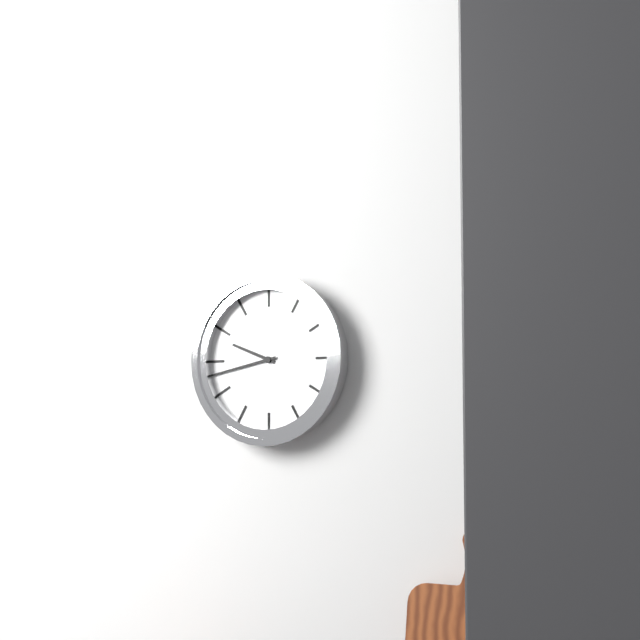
9:43
